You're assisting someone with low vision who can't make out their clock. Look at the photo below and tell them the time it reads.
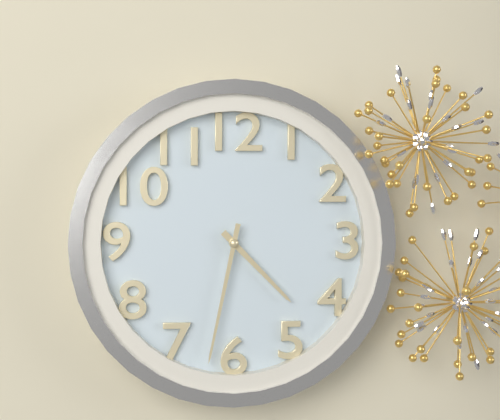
4:32
